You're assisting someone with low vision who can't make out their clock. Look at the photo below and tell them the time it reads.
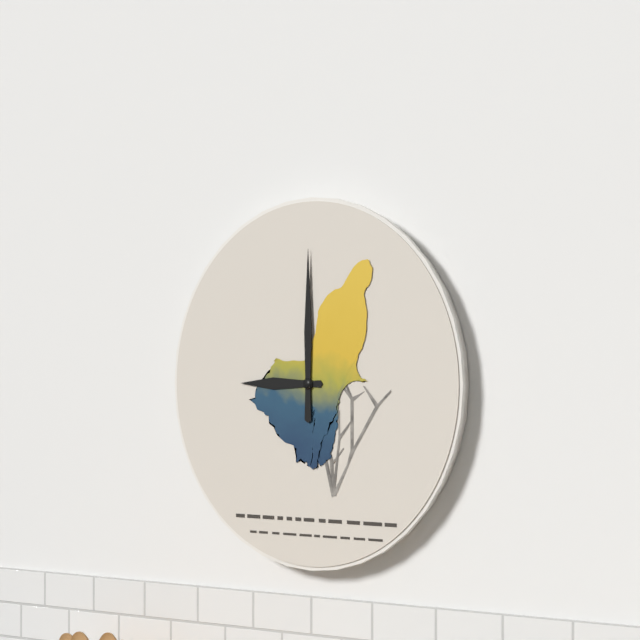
9:00
